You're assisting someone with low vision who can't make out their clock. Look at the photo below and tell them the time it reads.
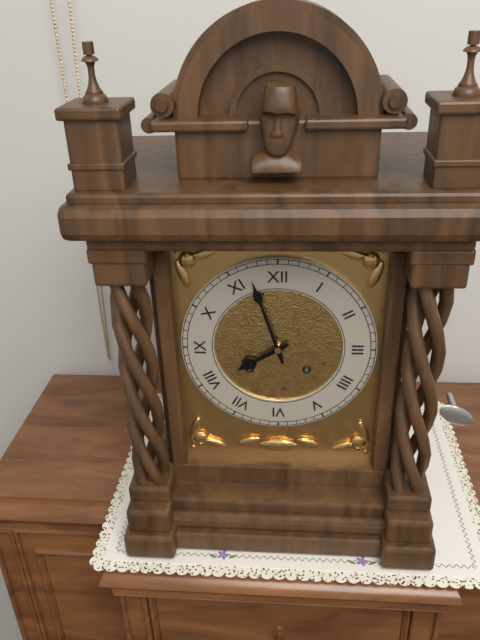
7:57
